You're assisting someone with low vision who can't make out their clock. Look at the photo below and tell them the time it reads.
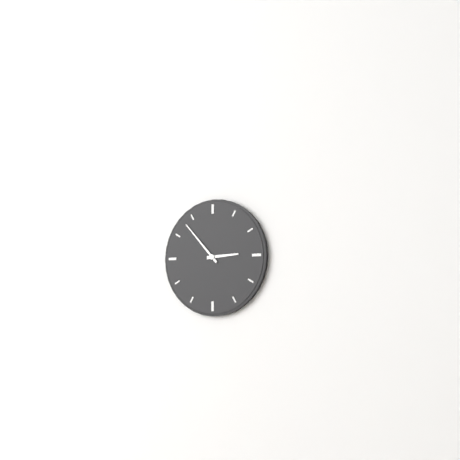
2:53
